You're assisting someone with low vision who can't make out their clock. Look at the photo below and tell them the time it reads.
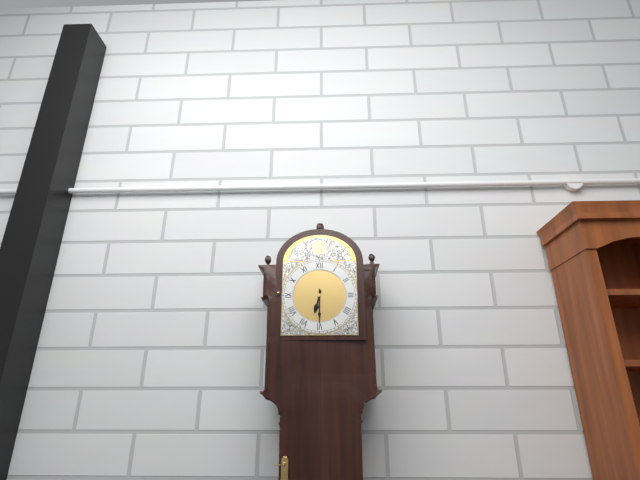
6:30
